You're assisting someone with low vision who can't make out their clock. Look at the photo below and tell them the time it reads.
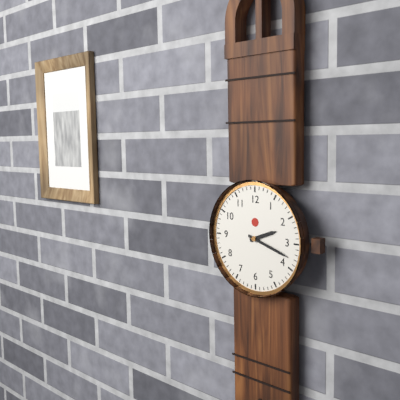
2:18
